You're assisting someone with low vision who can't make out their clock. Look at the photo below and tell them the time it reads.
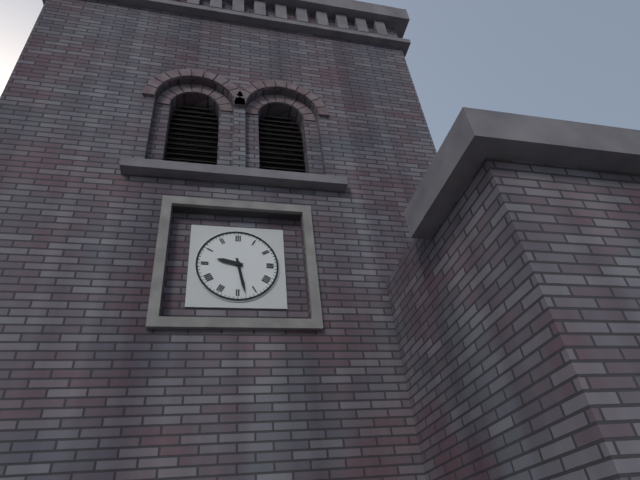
9:28
